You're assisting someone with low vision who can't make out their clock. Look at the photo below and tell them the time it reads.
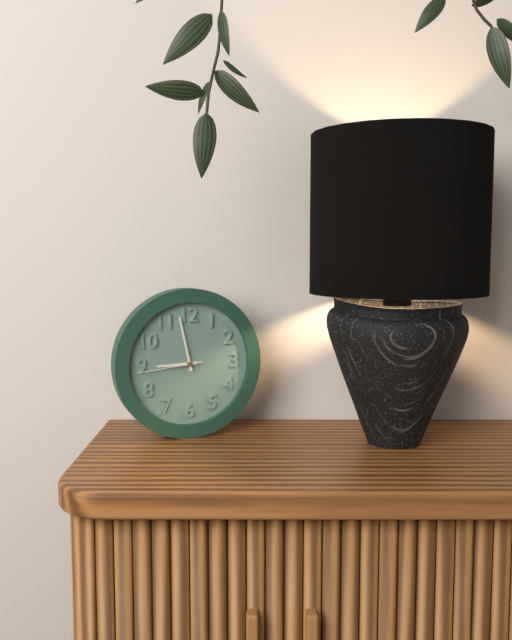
8:58:44
